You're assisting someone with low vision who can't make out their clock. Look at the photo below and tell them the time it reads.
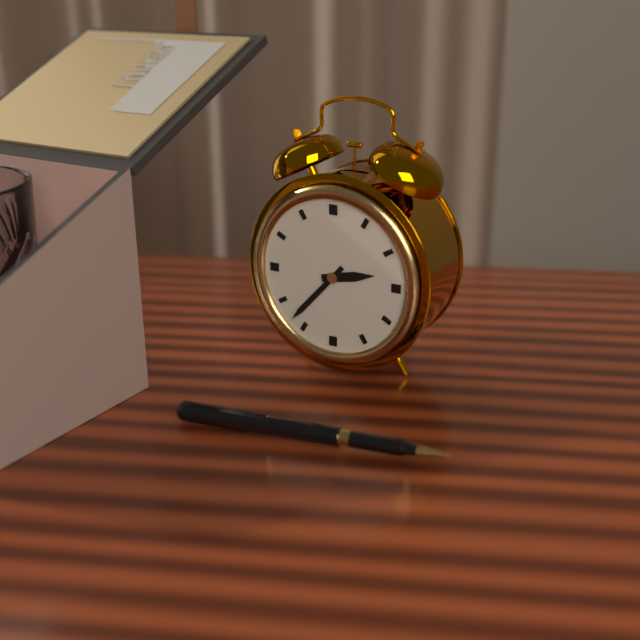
2:37
